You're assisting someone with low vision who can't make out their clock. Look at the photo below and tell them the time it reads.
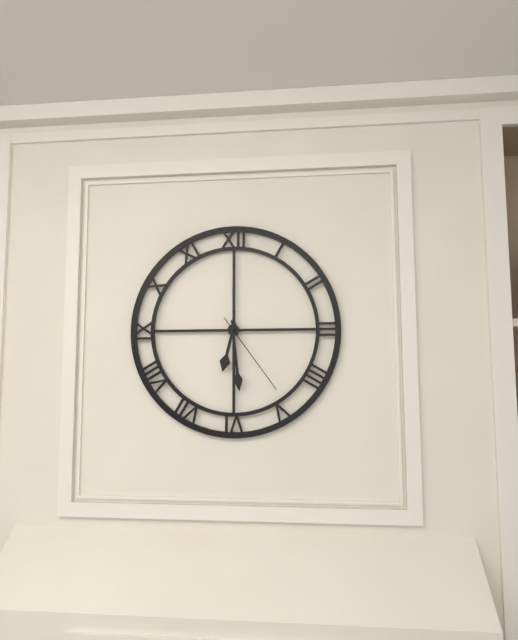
6:29:24
